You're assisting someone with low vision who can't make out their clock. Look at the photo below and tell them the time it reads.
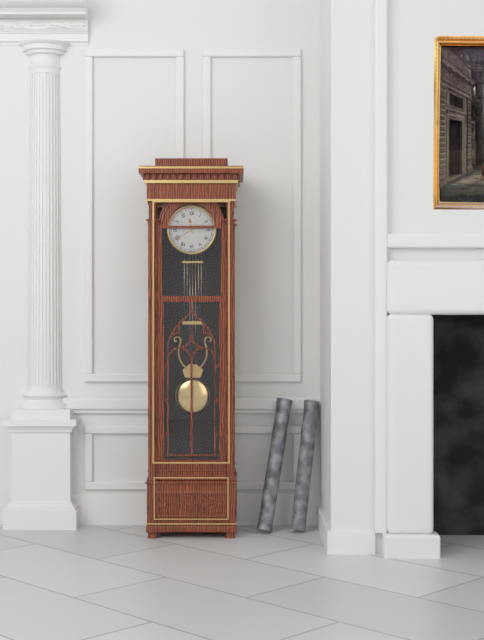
11:40
